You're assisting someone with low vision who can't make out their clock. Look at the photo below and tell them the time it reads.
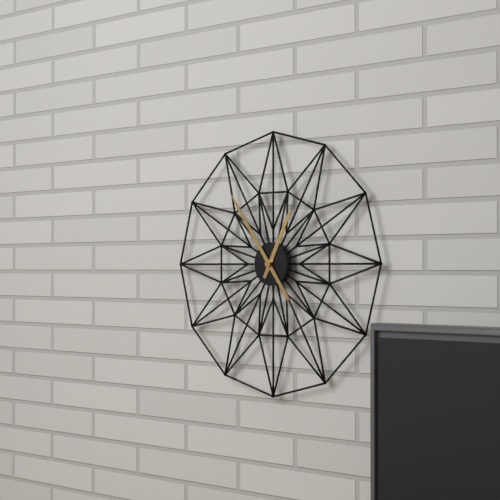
12:54
